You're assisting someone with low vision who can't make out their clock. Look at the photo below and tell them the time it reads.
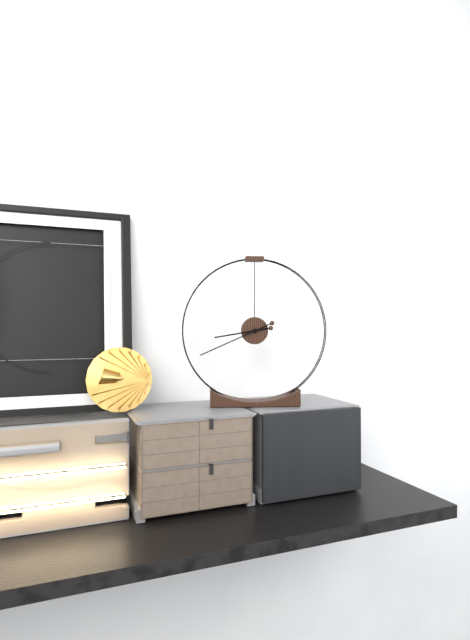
8:41
